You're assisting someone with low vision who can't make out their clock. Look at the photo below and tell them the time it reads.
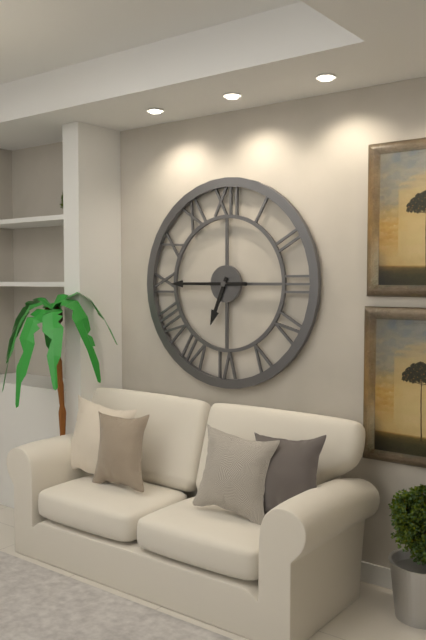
6:45
